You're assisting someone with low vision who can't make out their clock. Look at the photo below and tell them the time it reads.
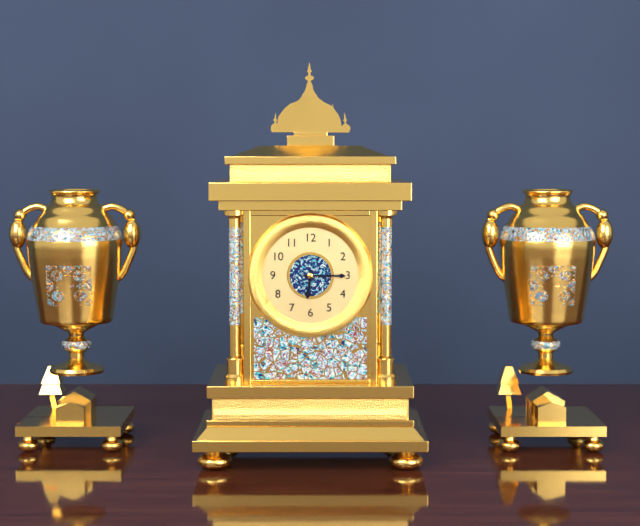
6:15
